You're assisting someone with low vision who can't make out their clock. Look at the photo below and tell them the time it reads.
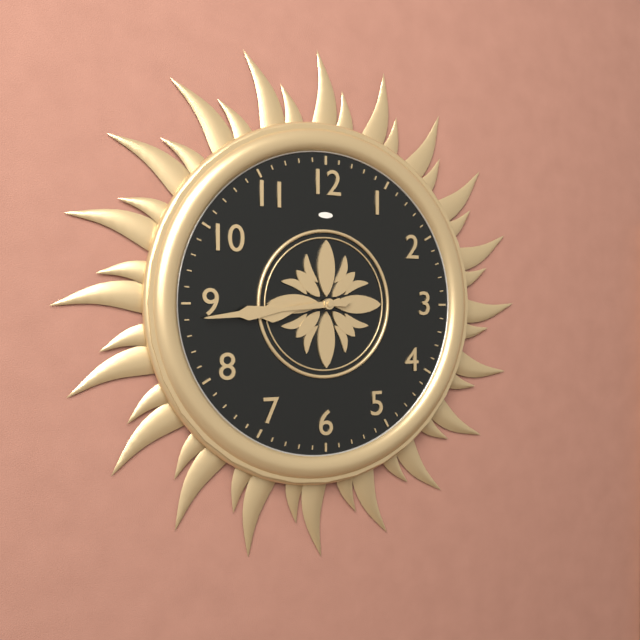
8:44
